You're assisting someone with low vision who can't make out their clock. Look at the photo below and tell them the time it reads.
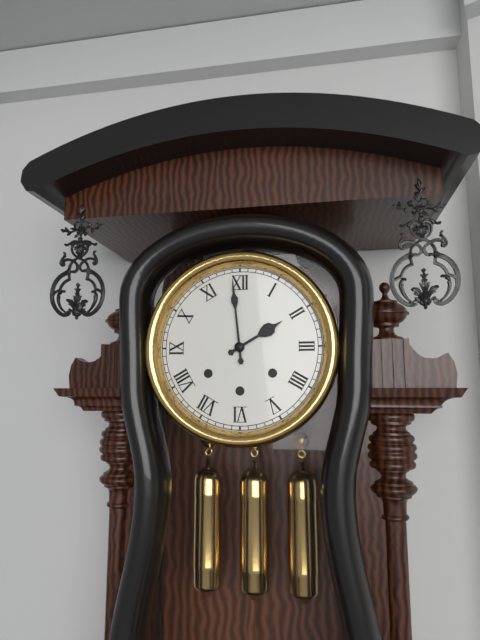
1:59
